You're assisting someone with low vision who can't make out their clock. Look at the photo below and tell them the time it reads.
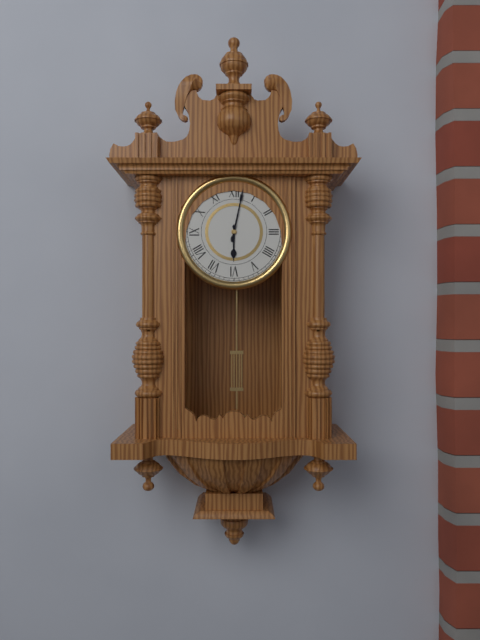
6:02
